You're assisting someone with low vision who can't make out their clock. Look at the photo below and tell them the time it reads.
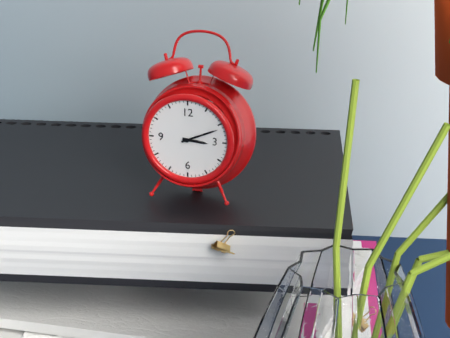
3:11
